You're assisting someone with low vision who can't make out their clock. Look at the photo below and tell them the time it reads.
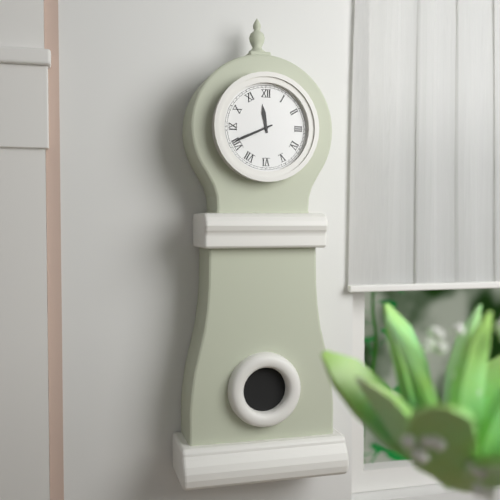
11:41
